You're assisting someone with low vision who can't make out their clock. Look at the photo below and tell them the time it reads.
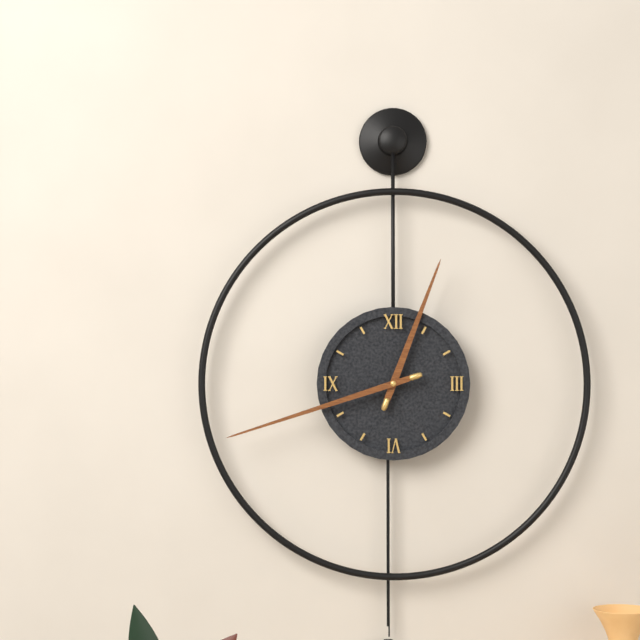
12:42
